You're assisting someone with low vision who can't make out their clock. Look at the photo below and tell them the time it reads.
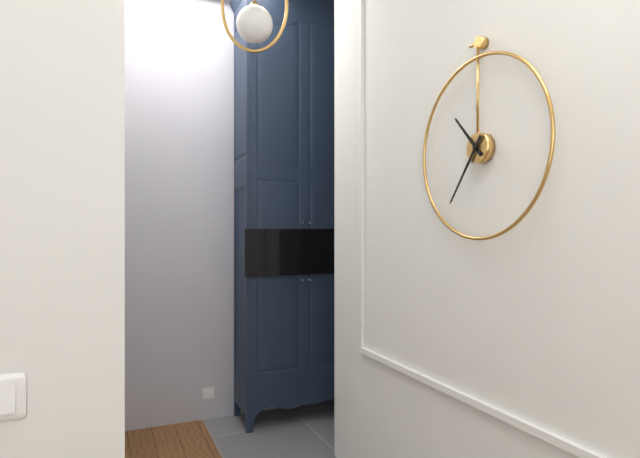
10:36
